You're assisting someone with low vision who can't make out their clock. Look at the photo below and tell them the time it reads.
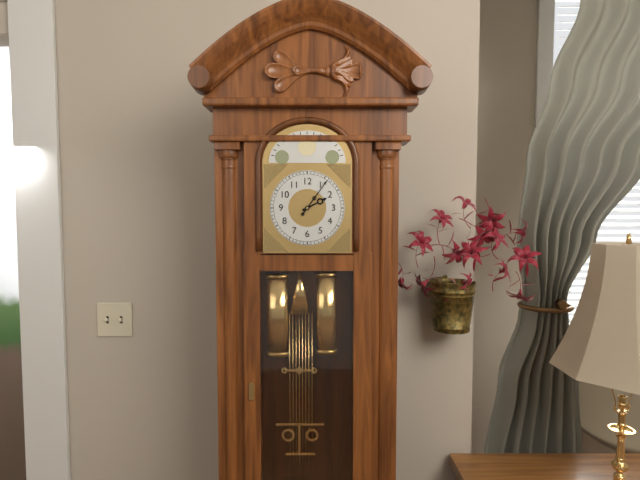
2:06
